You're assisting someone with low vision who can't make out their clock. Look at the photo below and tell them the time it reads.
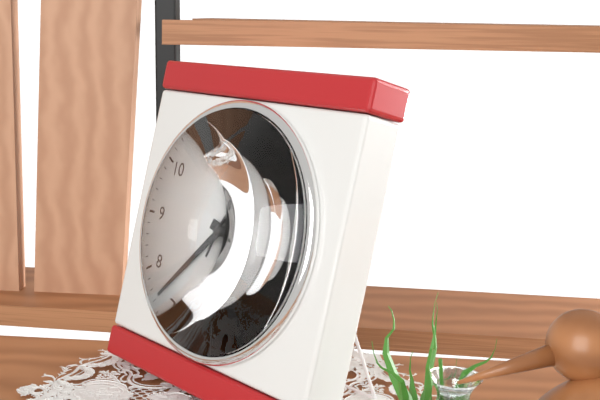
3:37:03
